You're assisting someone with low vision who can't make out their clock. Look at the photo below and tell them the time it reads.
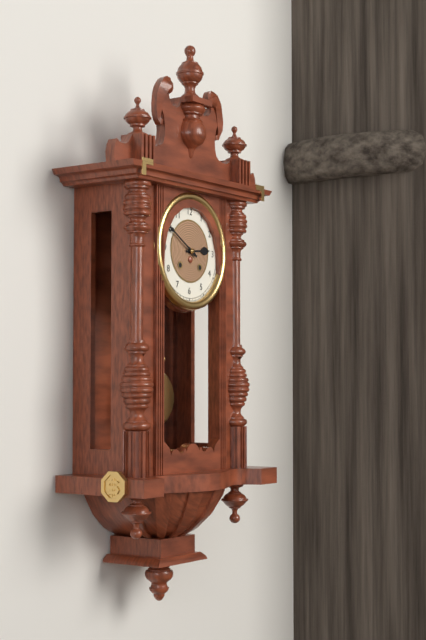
2:50
